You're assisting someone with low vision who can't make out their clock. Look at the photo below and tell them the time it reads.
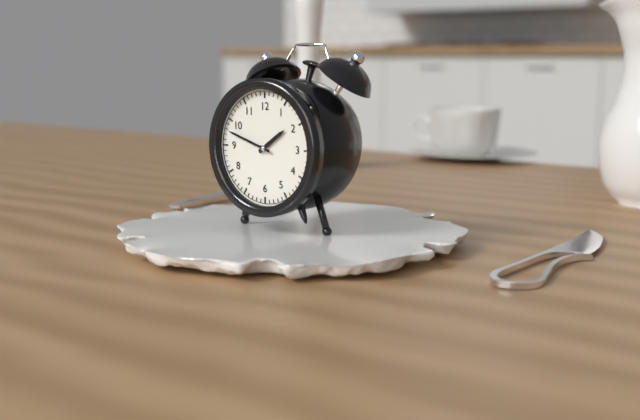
1:48
